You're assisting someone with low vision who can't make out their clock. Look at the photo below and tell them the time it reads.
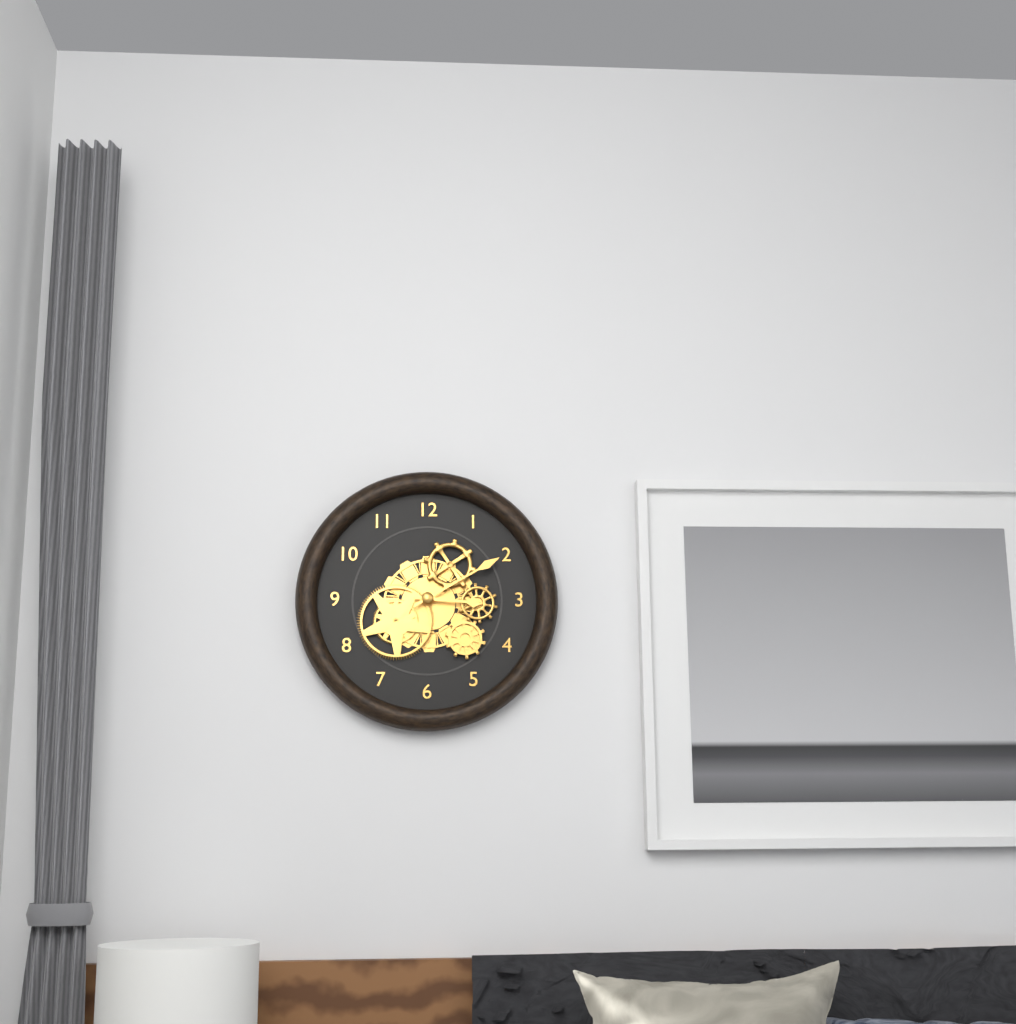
3:10
